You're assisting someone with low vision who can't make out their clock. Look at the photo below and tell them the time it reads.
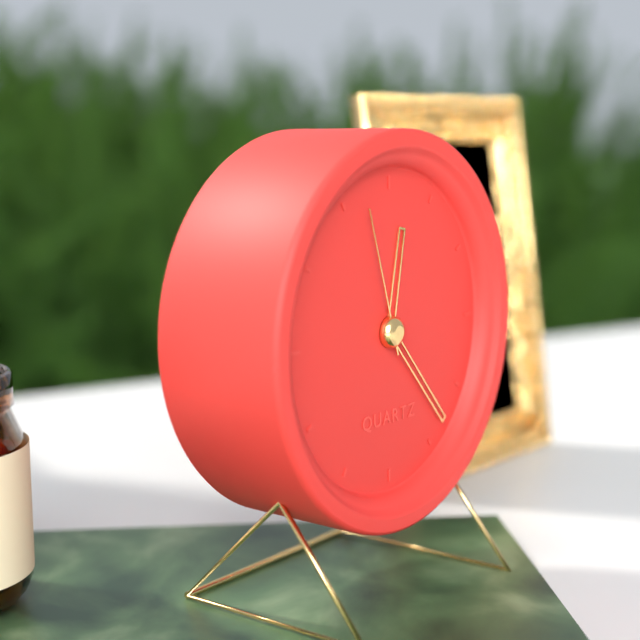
12:23:57
